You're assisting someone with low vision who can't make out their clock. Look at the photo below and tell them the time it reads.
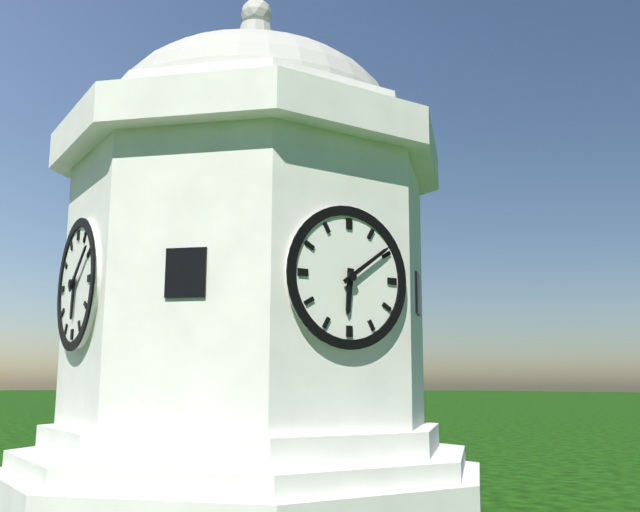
6:09
